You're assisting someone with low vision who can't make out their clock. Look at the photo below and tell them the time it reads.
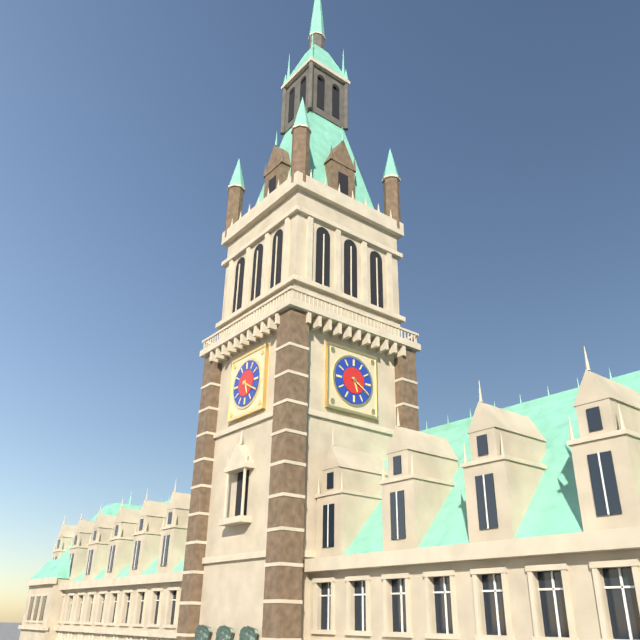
5:20
